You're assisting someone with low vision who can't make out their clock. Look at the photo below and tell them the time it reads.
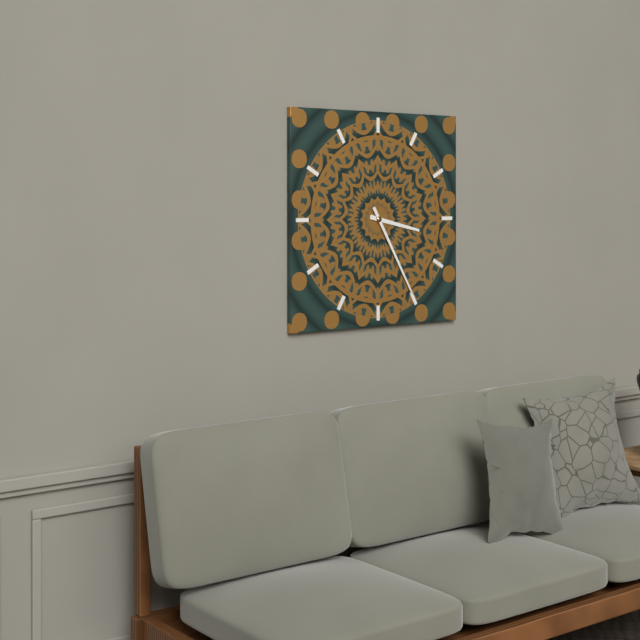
3:25
